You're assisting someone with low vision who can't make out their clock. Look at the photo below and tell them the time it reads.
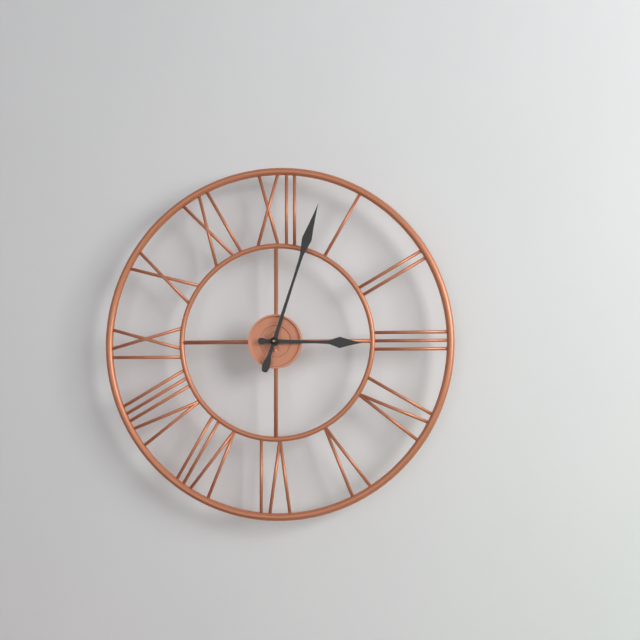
3:03
